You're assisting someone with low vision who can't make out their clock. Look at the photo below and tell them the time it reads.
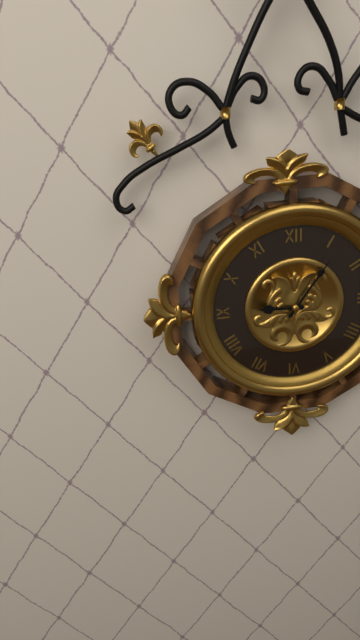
9:06
